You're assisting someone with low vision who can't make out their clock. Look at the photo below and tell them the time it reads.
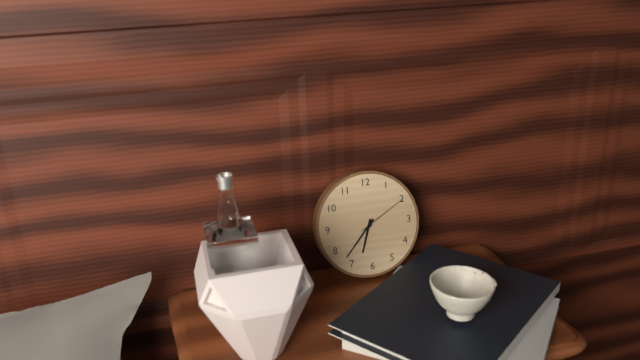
6:37:10
